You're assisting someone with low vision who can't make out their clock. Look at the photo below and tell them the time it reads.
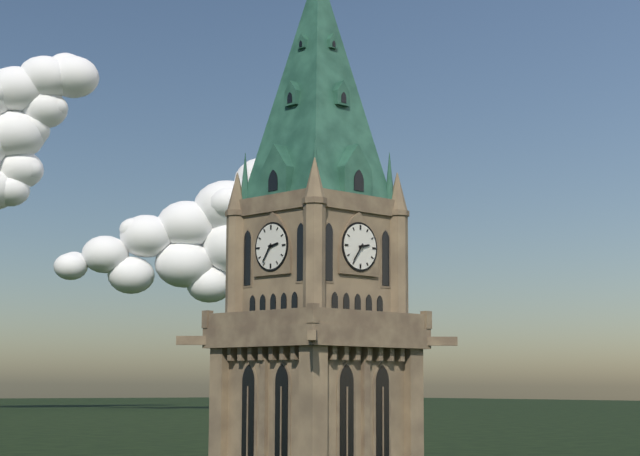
2:36
